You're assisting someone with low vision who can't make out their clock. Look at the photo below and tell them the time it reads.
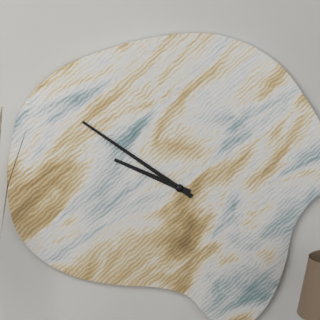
9:51
